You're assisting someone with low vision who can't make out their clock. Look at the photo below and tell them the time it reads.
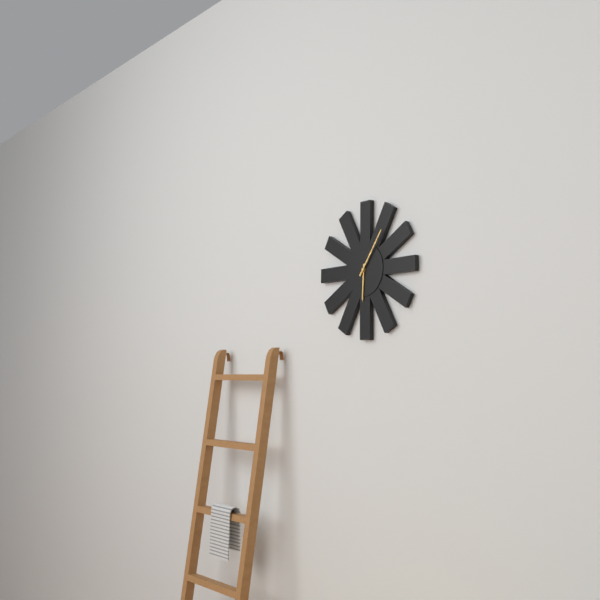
6:06
